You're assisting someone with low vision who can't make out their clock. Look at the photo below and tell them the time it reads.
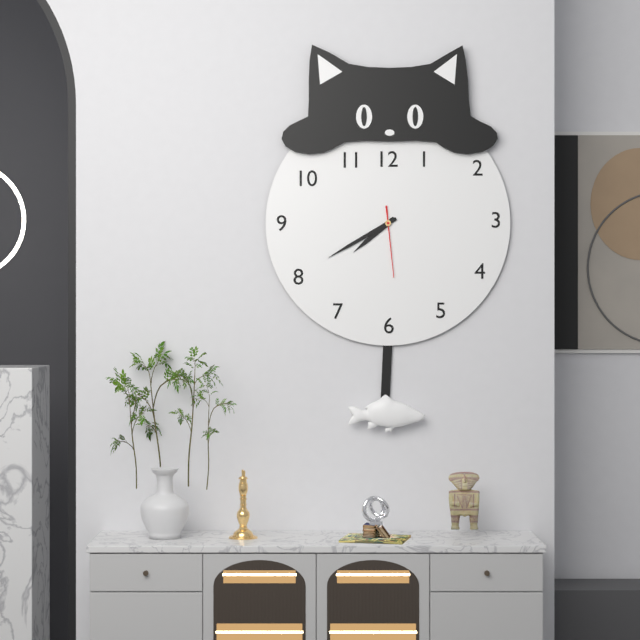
7:40:29
